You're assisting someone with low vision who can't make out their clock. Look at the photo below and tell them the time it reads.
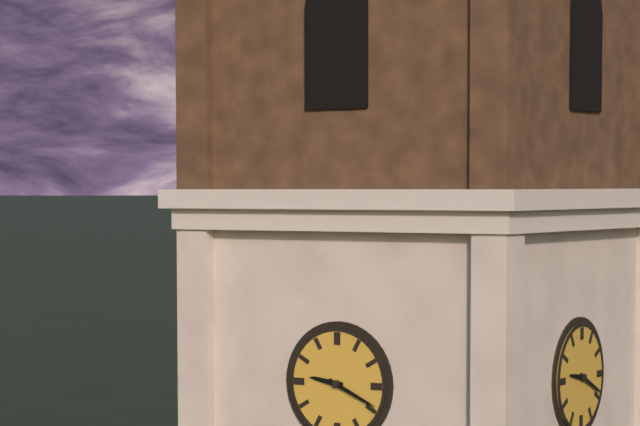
9:19
